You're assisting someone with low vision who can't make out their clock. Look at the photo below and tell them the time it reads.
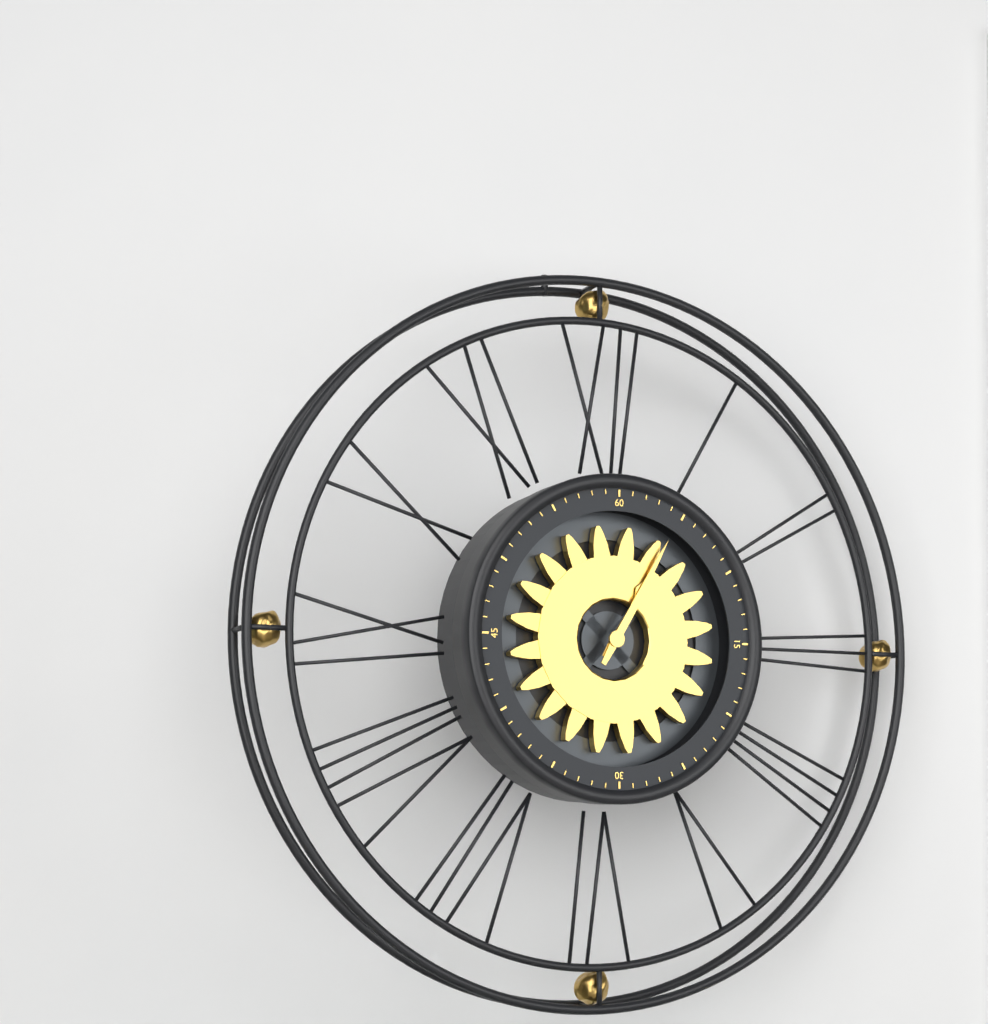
1:05
